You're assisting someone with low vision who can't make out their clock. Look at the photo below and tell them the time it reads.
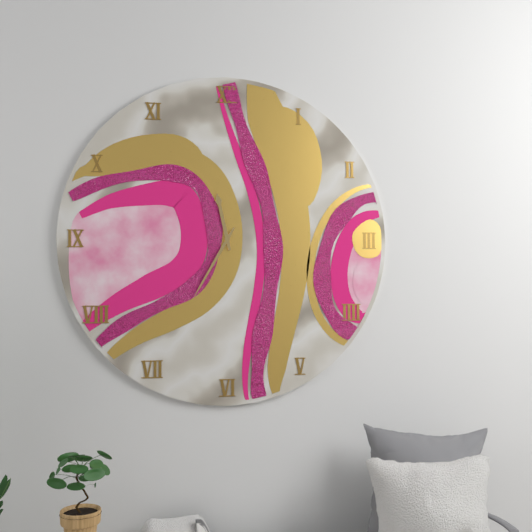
11:35
